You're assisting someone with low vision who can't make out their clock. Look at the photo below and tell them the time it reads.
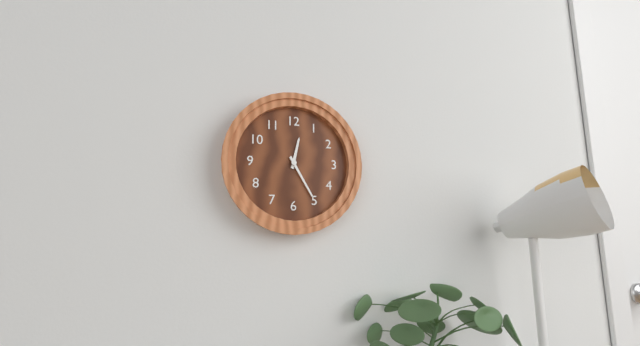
12:25
